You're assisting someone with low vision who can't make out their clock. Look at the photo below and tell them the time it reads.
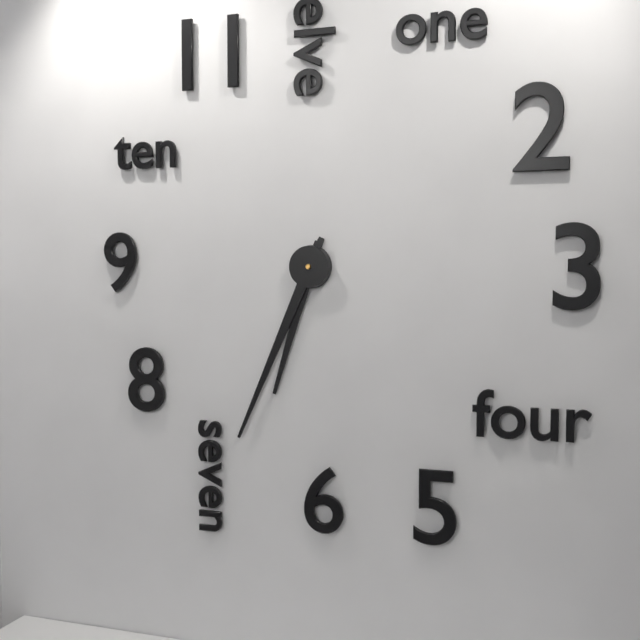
6:34
